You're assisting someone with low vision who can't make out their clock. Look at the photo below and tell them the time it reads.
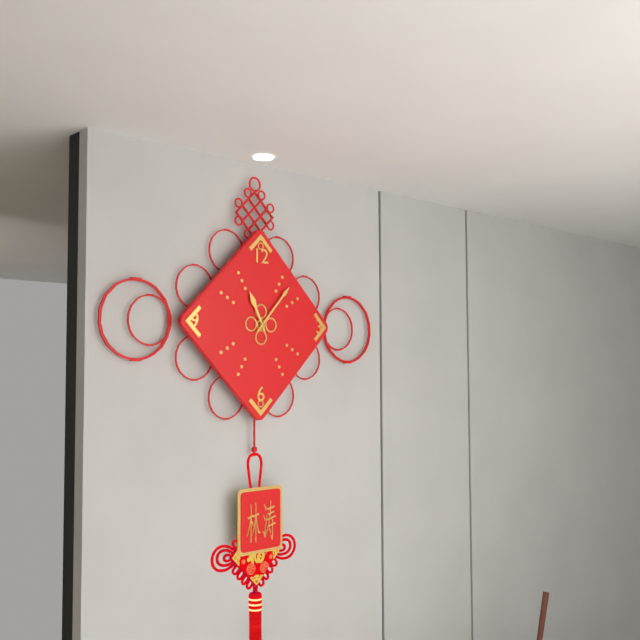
11:07
